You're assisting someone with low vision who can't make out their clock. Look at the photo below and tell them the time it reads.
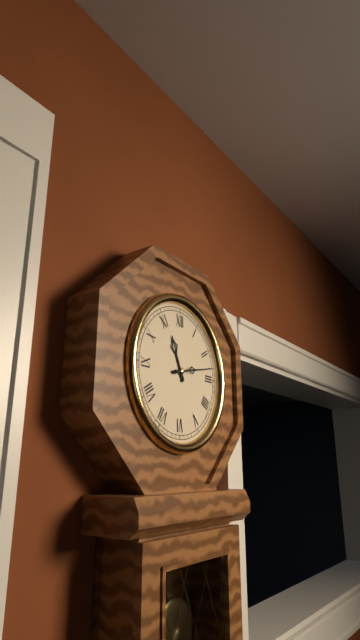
11:13
